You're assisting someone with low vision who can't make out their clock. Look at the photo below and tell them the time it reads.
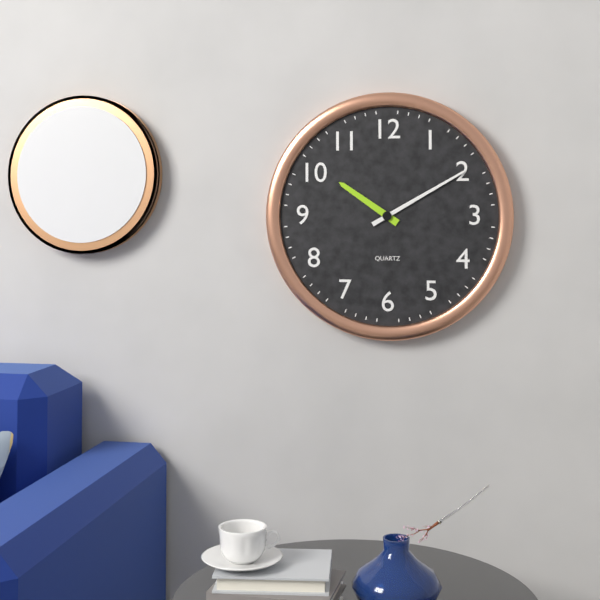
10:10
